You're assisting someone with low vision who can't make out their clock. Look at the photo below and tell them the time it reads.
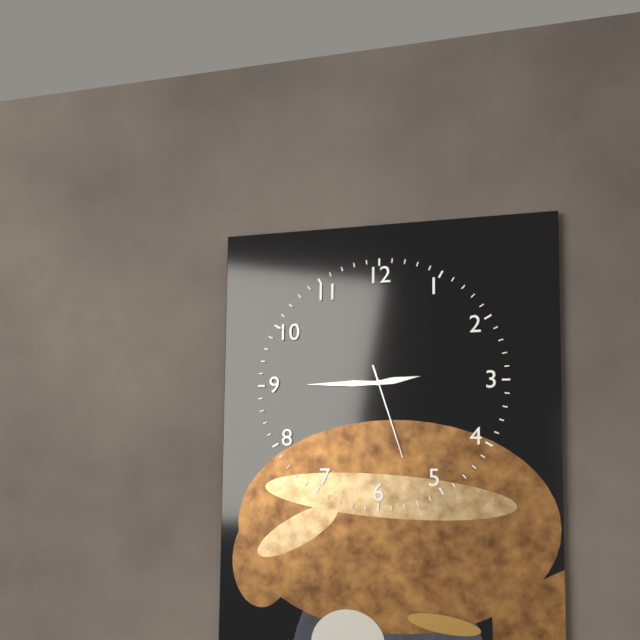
2:45:27
